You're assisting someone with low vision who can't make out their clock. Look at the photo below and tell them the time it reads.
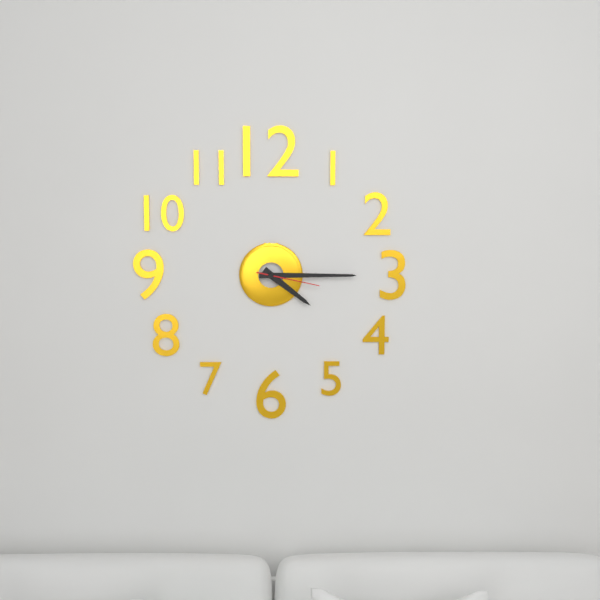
4:15:17
